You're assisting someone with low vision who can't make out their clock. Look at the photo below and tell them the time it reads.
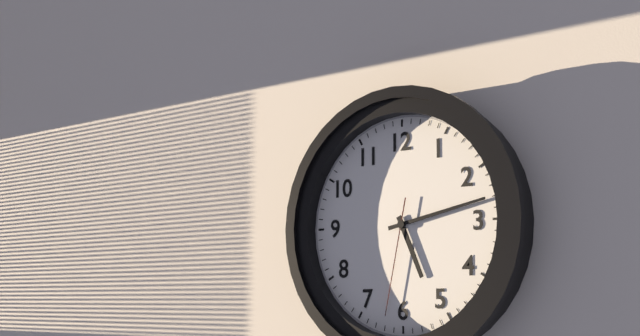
5:13:32
